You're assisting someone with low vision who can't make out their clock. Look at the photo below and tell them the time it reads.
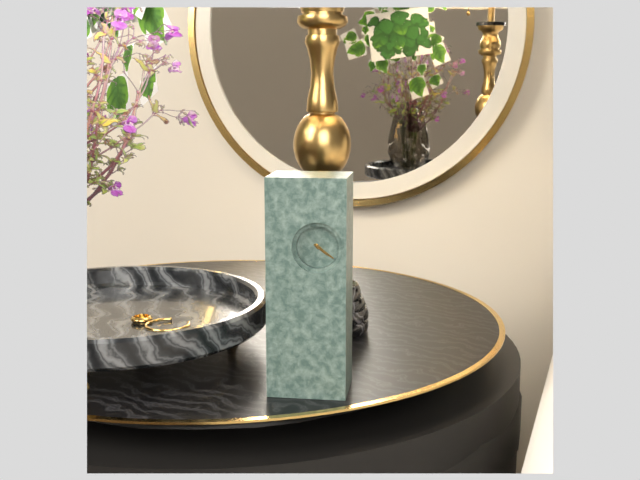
4:21
